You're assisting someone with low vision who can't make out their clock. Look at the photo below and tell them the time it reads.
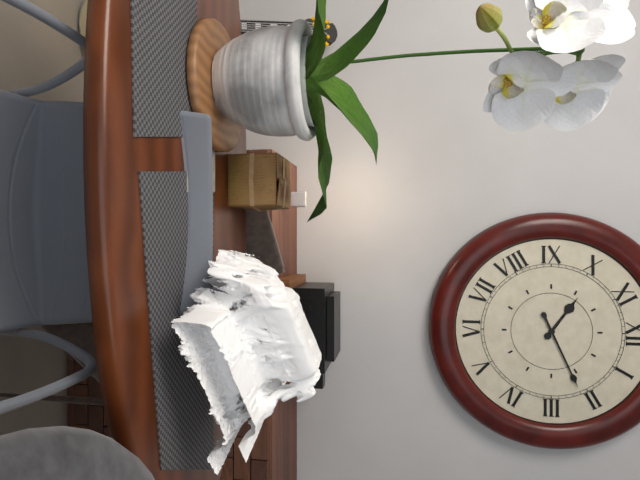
10:11
